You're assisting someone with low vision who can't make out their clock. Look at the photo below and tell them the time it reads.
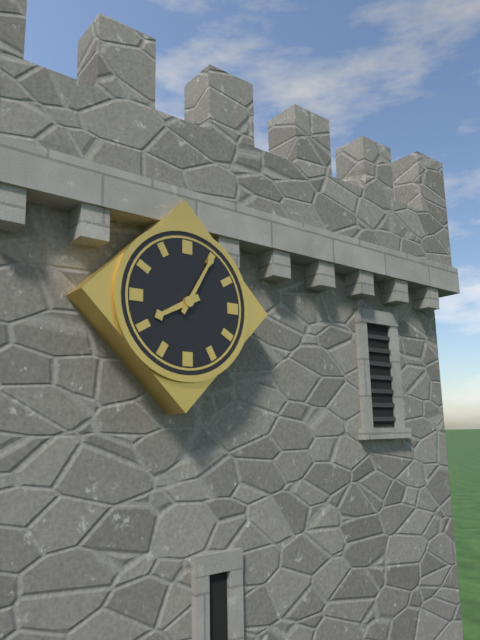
8:05
